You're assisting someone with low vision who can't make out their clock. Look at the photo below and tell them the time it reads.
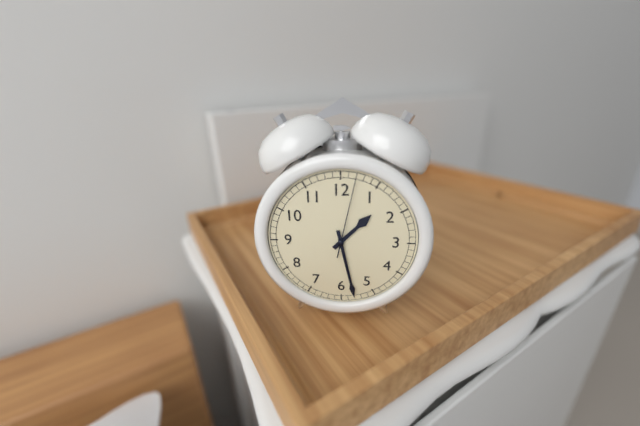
1:28:02
